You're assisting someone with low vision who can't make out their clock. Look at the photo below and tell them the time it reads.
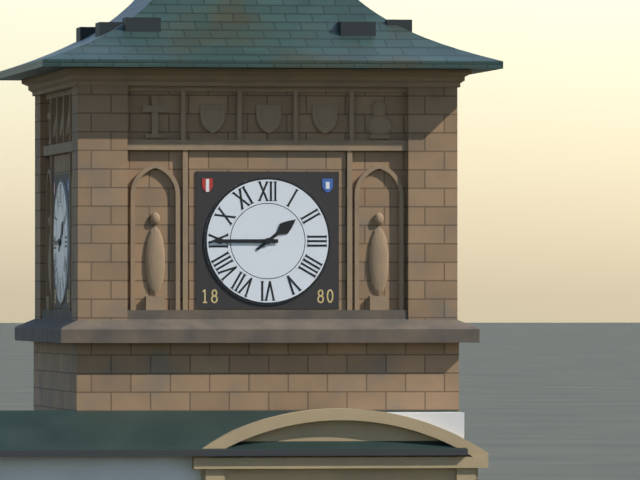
1:45
